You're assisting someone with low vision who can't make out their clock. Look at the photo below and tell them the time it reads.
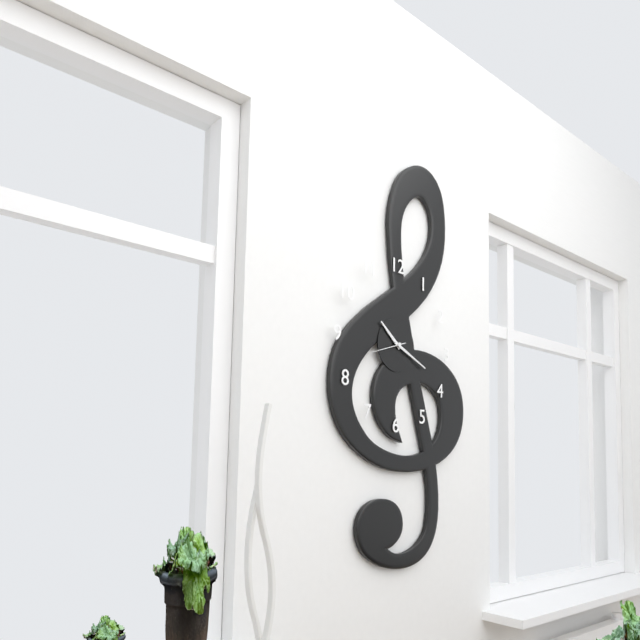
10:19
